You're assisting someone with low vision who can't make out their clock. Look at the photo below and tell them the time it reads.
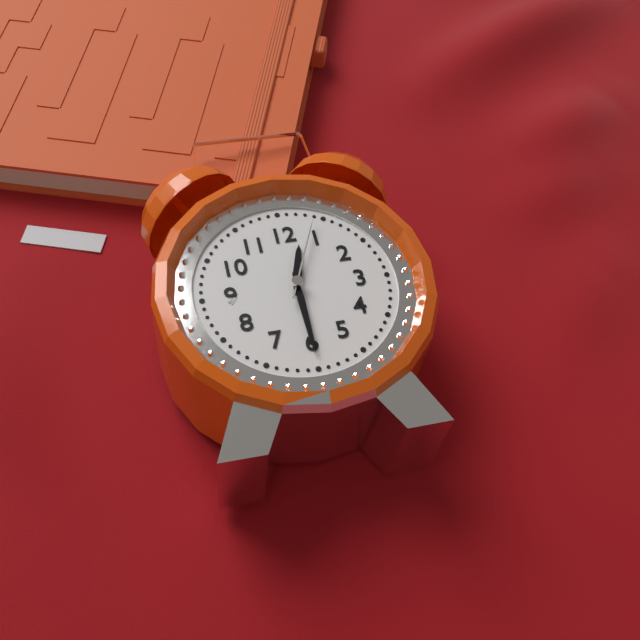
12:30:04
